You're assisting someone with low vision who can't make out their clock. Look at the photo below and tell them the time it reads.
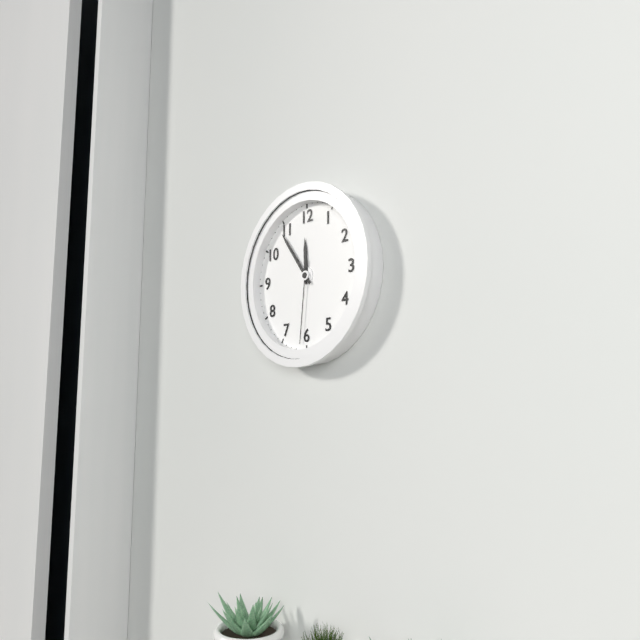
11:54:31
